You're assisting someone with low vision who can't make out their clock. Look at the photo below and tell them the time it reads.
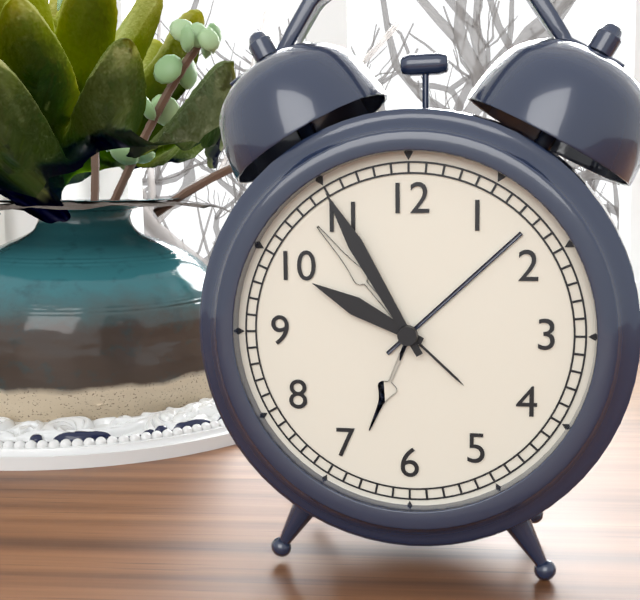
9:55
